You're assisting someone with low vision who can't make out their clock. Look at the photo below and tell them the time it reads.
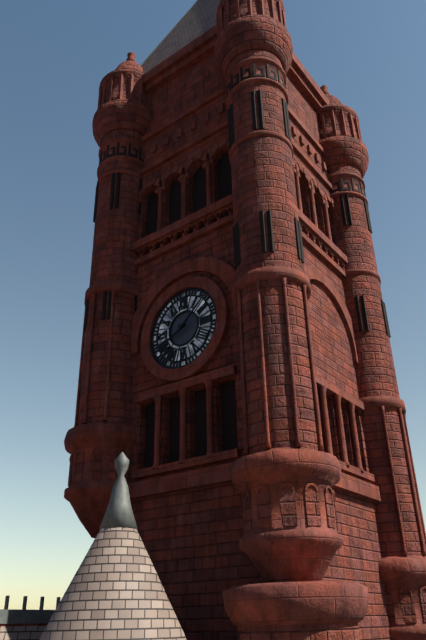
8:08
